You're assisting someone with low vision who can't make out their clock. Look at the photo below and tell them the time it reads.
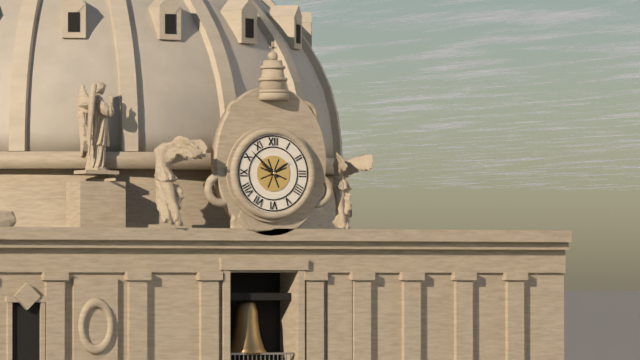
1:52
